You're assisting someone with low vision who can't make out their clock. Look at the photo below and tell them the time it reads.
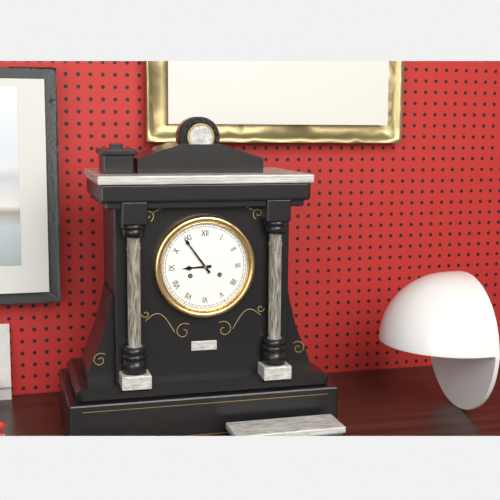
8:54
